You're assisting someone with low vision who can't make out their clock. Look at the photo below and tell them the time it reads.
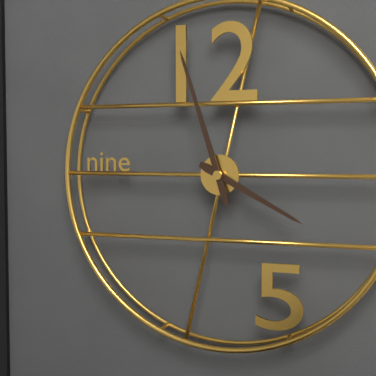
3:57
